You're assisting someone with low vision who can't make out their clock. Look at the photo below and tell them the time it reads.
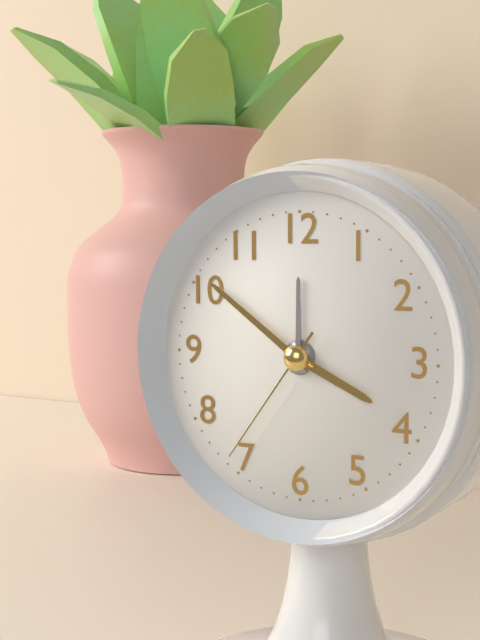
3:51:36
